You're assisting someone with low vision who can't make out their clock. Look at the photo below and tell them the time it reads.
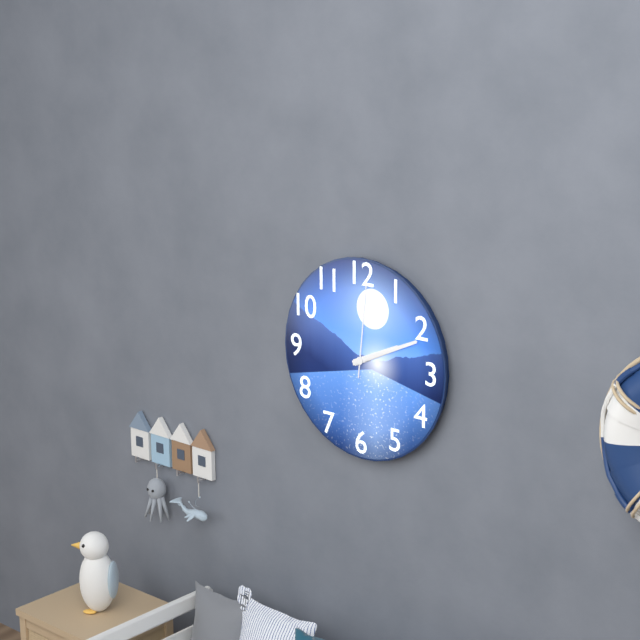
2:11:01
